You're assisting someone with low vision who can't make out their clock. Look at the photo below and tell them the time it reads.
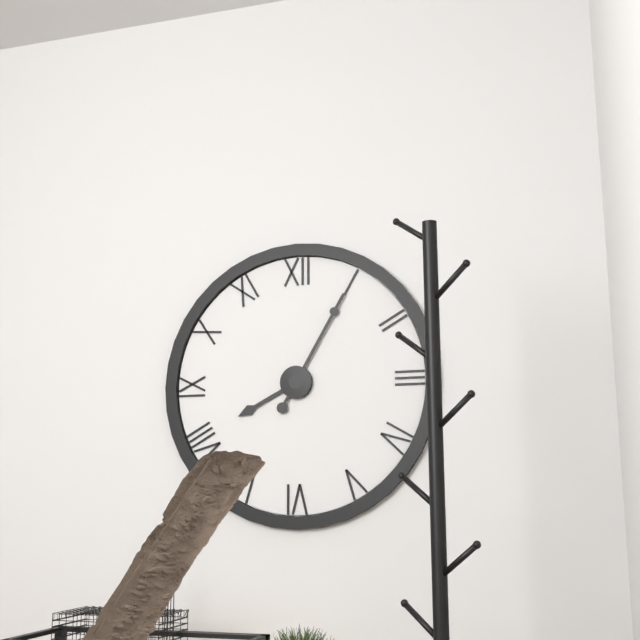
8:05
